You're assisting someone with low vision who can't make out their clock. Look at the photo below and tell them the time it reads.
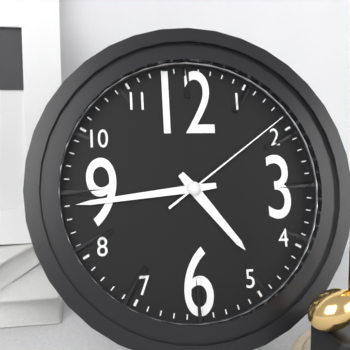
4:44:09
